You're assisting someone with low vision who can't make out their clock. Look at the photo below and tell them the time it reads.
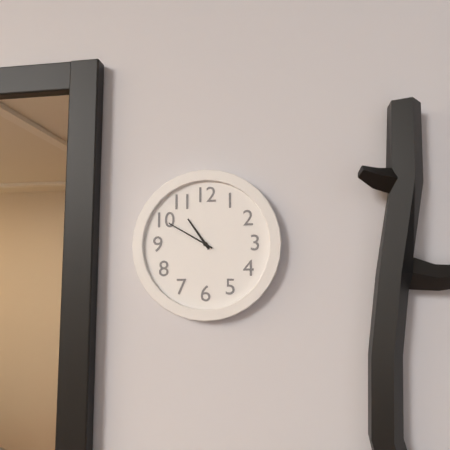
10:50
